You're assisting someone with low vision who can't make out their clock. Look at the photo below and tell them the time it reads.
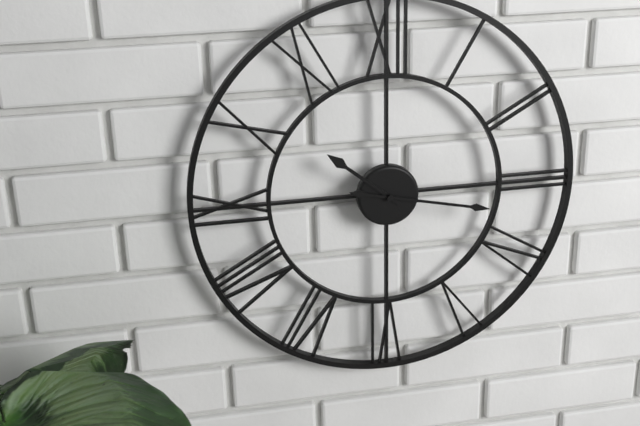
10:17
